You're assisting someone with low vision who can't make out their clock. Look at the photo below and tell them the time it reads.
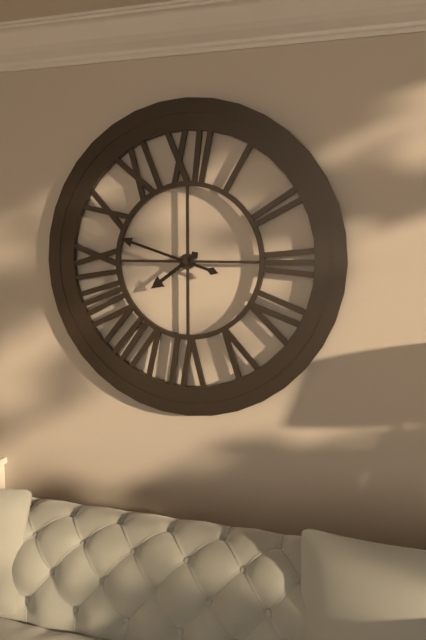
7:48
